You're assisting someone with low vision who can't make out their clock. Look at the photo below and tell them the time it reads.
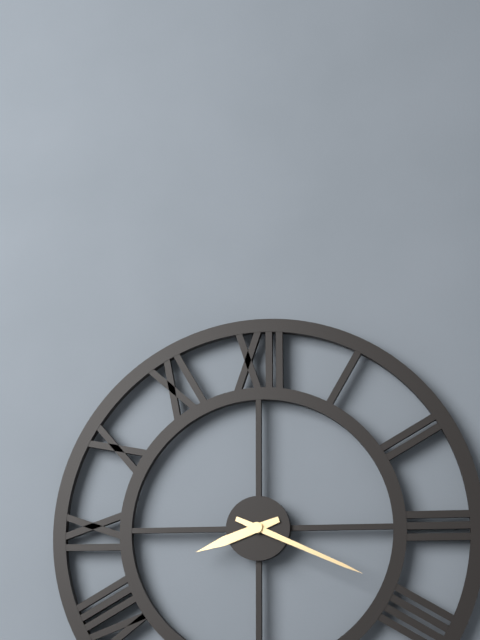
8:19
